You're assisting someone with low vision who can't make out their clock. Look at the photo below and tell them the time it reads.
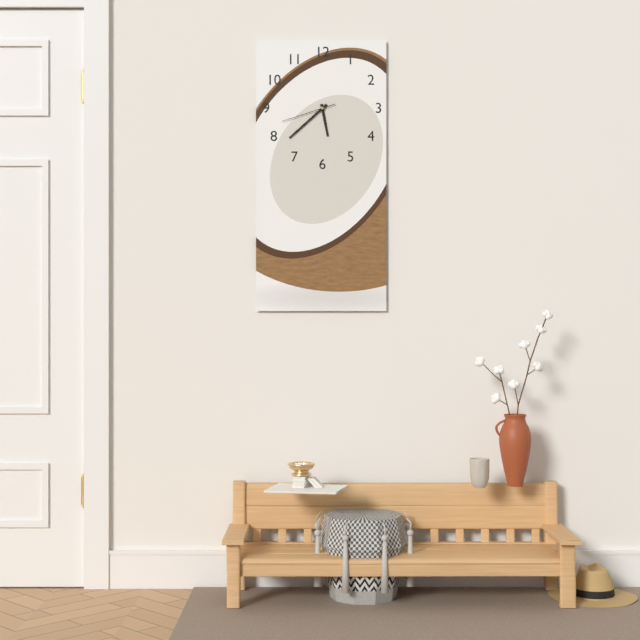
5:38:42
